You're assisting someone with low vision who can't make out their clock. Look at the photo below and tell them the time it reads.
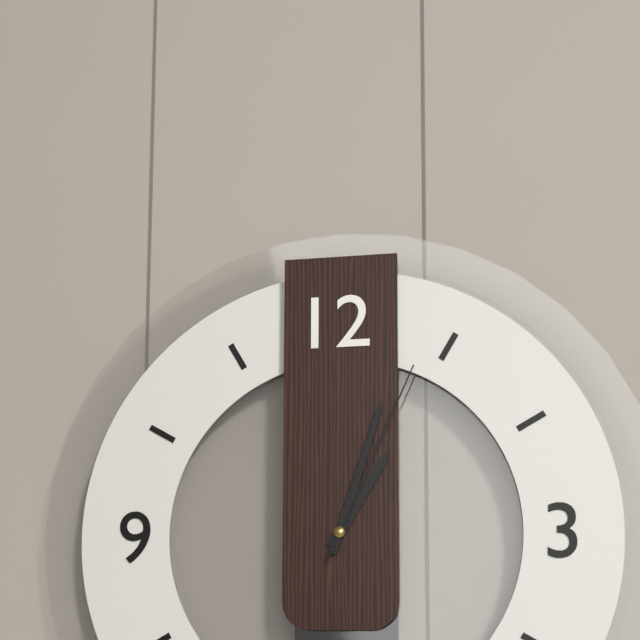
1:03:04
